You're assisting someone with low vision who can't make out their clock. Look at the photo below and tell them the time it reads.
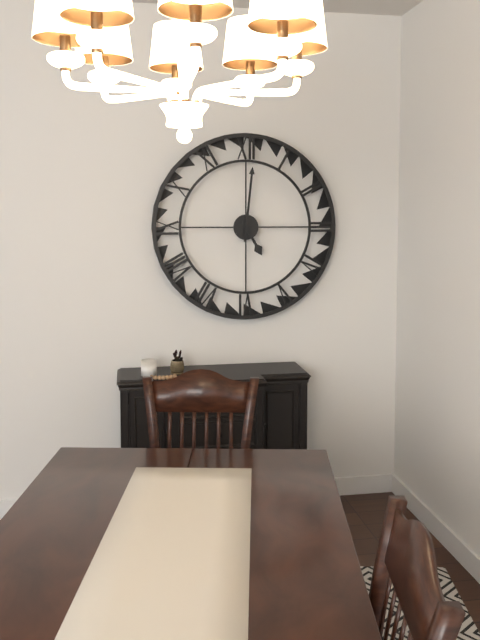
5:01
